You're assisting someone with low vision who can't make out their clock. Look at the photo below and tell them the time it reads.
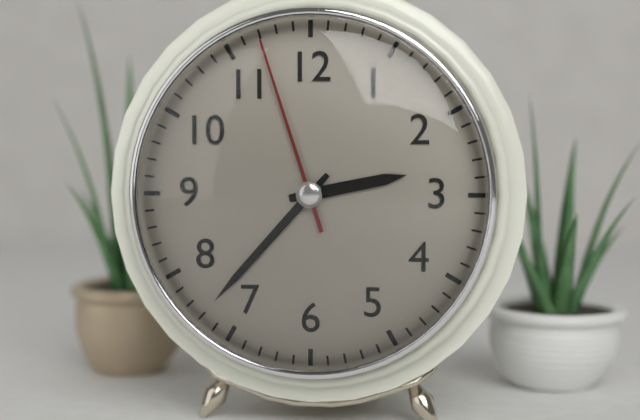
2:37:57
